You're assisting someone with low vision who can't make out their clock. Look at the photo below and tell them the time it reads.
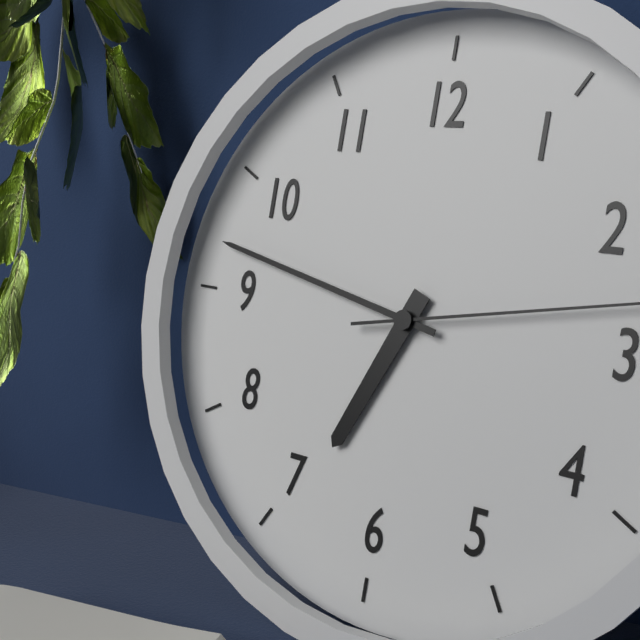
6:47
